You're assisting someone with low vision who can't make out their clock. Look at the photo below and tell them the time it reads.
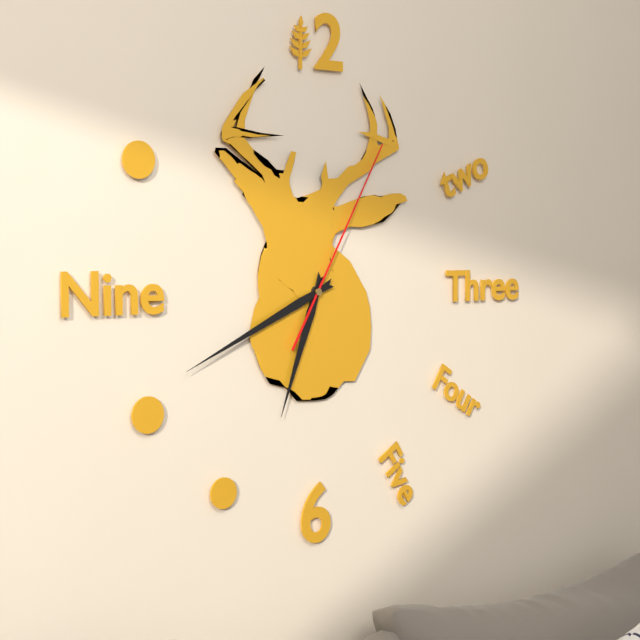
6:41:05
